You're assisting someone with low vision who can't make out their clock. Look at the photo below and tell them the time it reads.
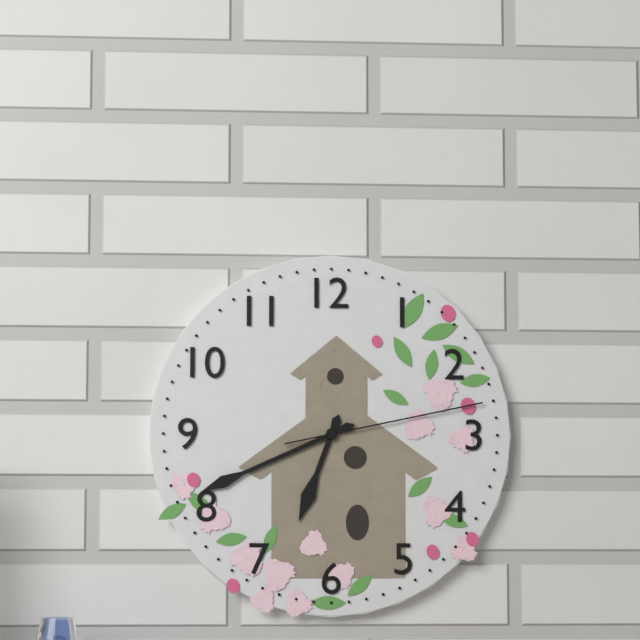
6:41:13
